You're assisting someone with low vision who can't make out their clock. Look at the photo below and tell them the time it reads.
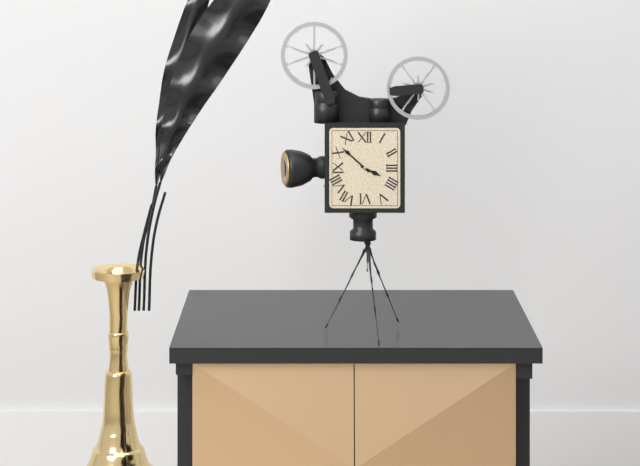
3:52
